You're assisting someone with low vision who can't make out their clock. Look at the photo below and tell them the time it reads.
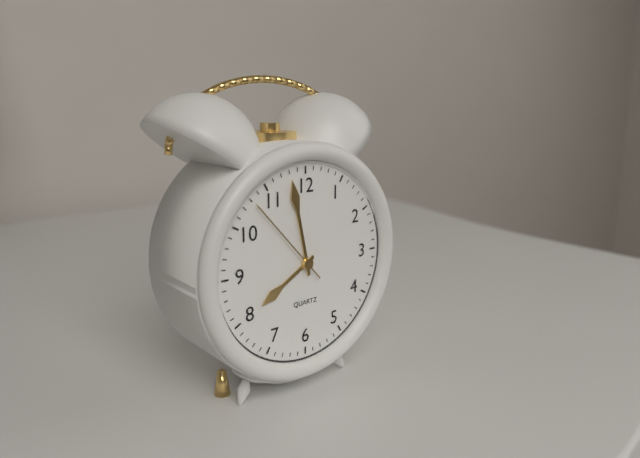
7:58:53
